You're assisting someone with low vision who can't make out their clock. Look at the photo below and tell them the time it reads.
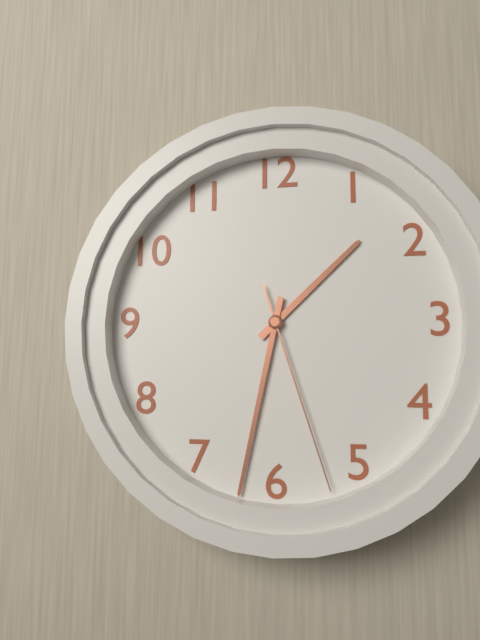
1:32:27
